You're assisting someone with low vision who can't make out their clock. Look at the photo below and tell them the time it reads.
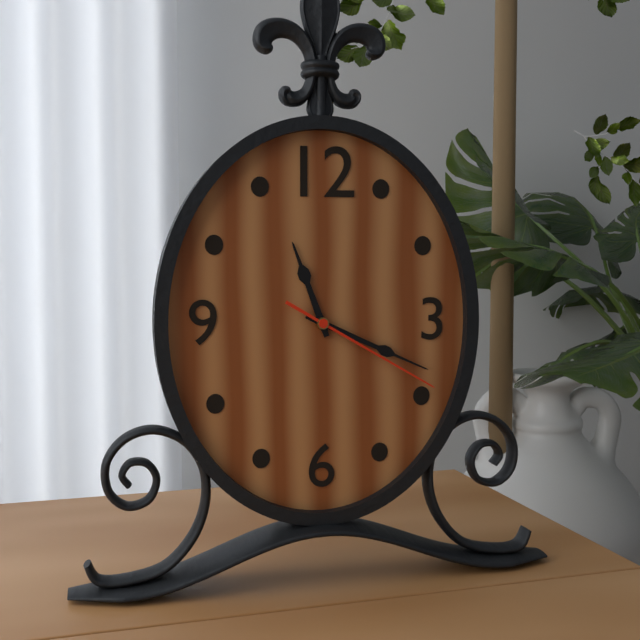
11:19:20
